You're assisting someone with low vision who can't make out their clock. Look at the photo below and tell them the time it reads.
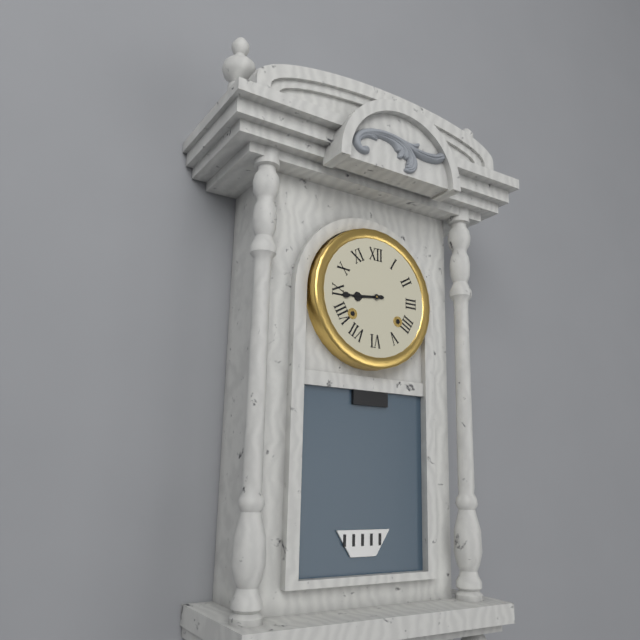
8:44
